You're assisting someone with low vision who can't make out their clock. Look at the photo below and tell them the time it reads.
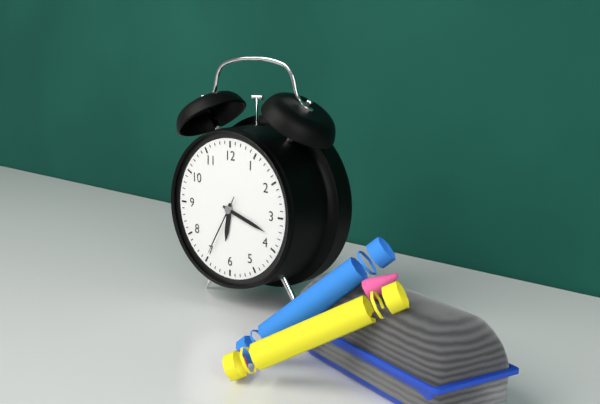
6:18:35
